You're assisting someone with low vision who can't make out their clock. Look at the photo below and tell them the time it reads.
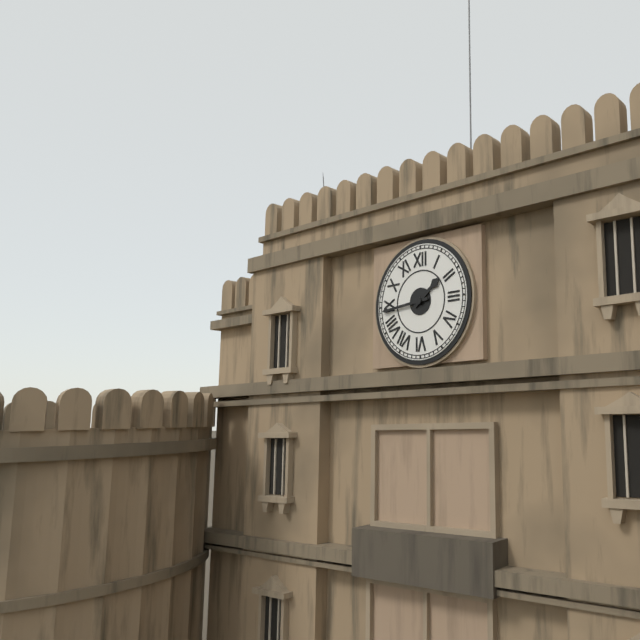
1:44
